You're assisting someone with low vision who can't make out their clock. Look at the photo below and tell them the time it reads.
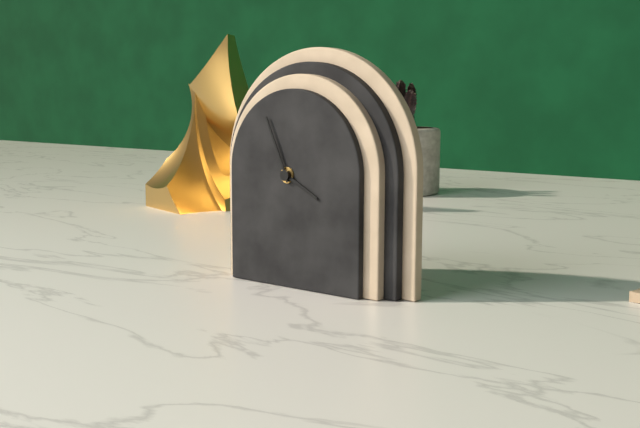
3:56
